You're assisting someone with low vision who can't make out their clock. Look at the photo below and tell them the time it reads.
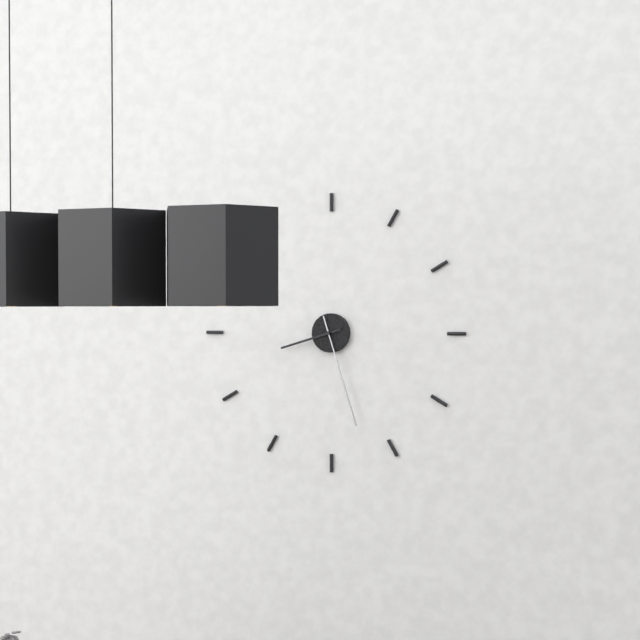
8:27
